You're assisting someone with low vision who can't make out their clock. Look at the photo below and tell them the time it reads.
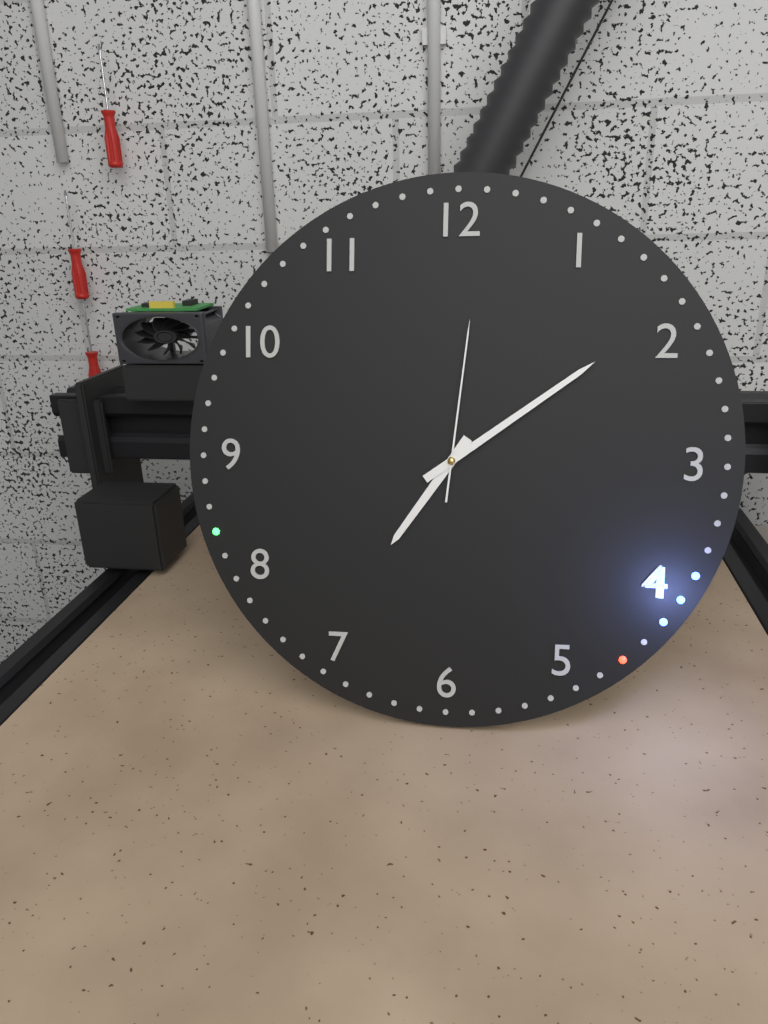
7:09:01
